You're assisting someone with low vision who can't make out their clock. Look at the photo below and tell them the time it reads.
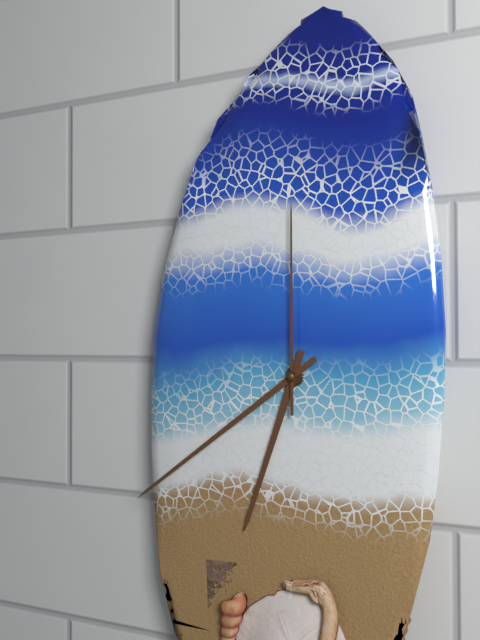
6:39:00
